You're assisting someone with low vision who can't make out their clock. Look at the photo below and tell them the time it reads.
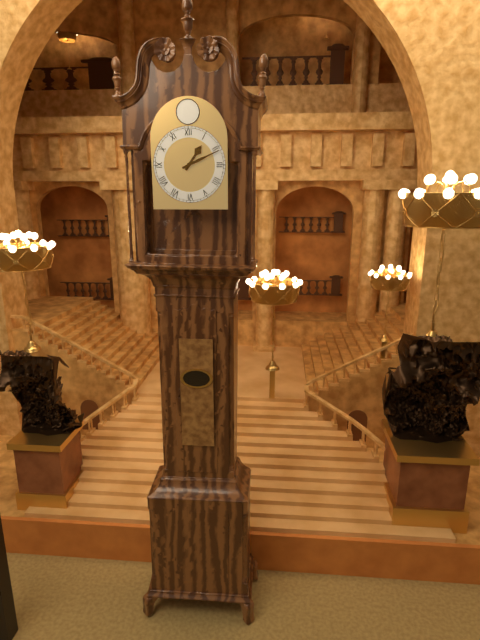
1:11
